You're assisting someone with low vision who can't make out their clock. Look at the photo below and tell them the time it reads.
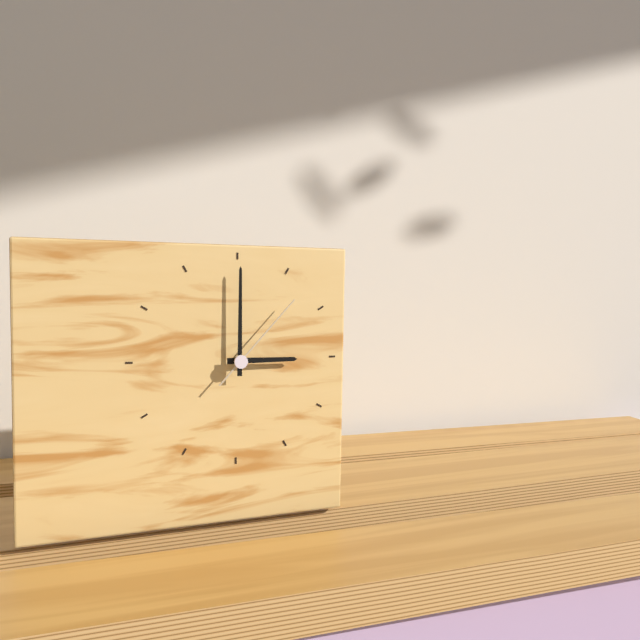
3:00:07
